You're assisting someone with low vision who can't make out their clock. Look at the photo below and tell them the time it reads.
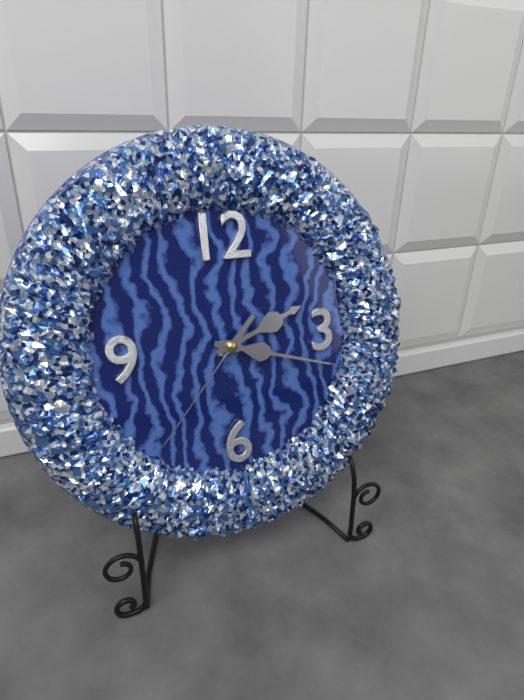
2:18:37
